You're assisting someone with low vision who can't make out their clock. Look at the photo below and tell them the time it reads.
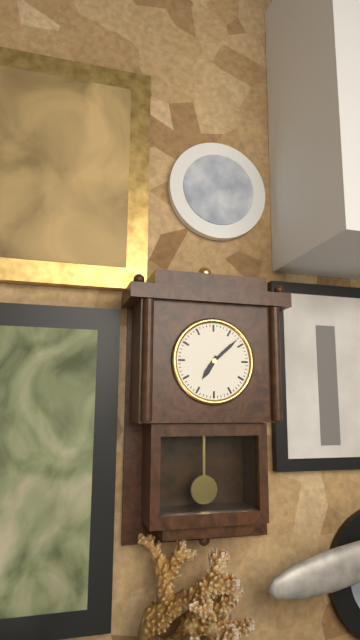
7:08
